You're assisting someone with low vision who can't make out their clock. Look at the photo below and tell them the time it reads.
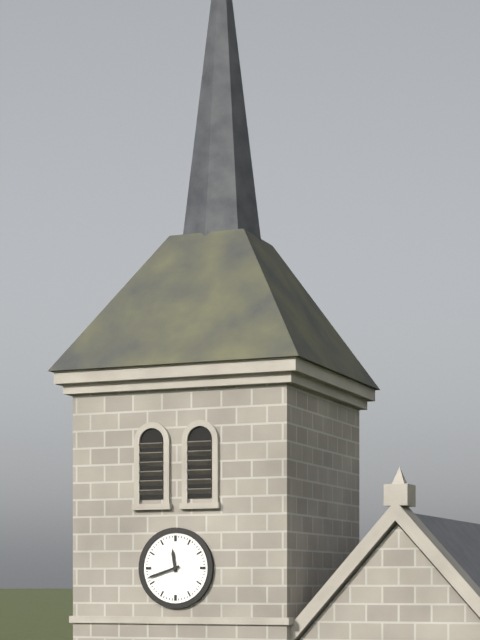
11:42
